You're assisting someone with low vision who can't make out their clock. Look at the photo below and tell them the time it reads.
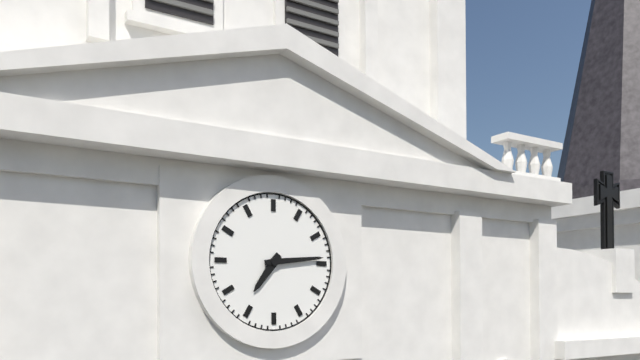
7:14
